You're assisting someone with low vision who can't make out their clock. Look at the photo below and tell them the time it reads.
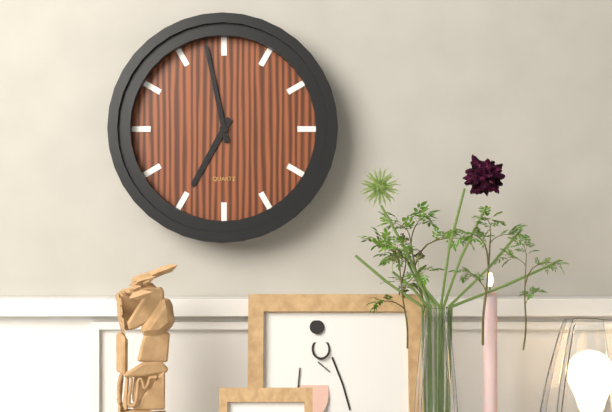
6:58
